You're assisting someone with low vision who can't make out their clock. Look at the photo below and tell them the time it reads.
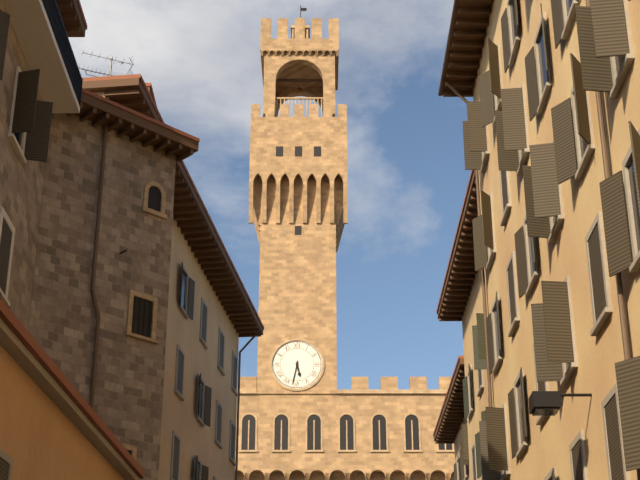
5:32
